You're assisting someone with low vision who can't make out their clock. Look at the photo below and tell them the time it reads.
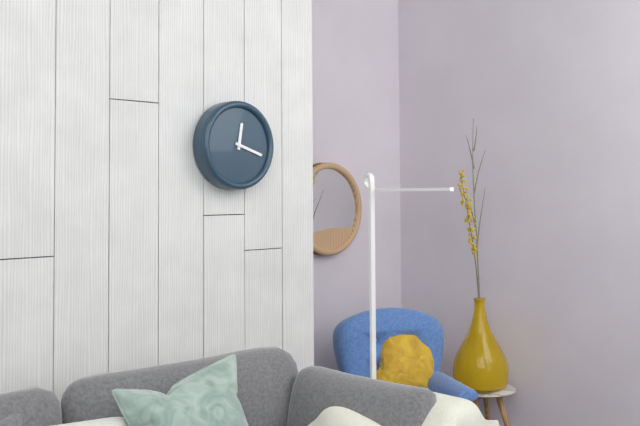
12:18
